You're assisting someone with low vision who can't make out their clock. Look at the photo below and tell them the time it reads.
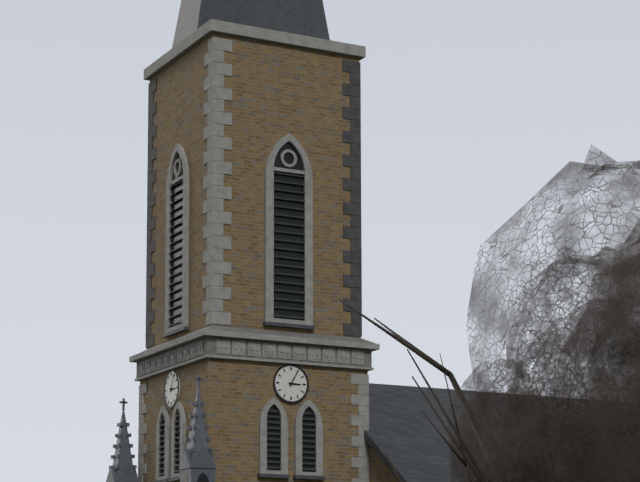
3:05
